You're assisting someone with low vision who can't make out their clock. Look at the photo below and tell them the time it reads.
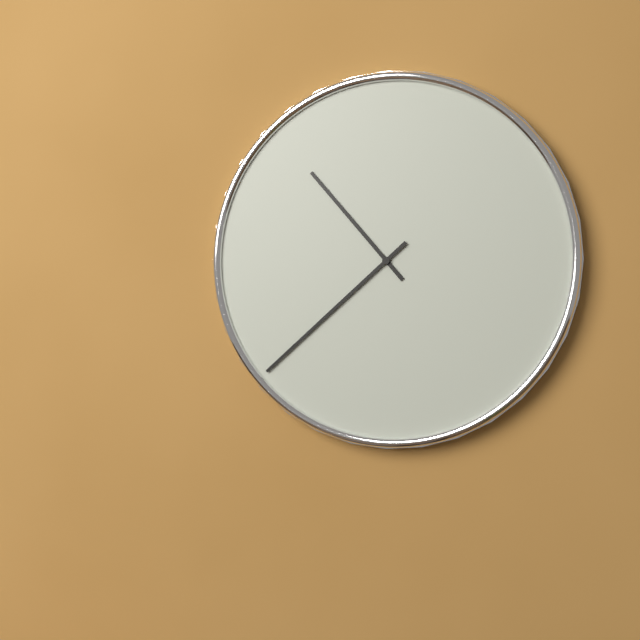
10:38
